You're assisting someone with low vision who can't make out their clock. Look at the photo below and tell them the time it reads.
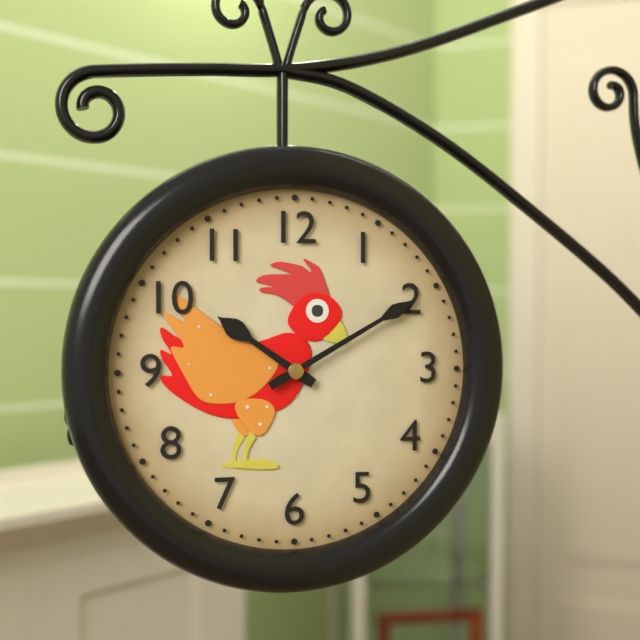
10:10
